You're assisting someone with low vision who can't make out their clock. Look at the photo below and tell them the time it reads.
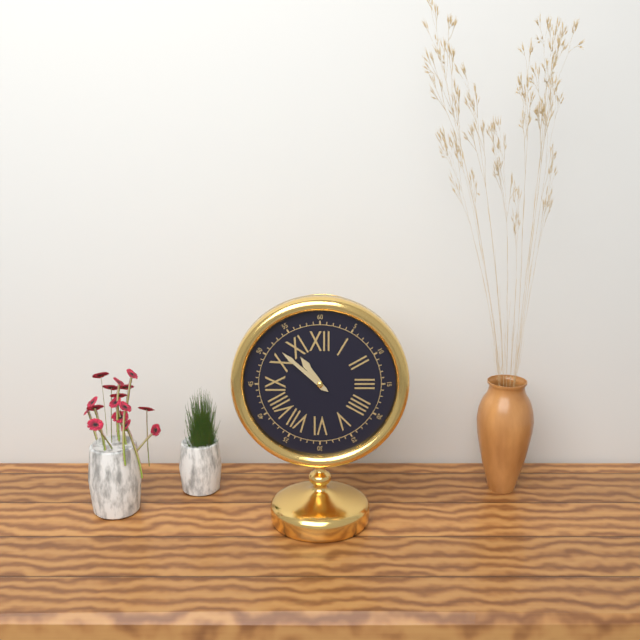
10:52
